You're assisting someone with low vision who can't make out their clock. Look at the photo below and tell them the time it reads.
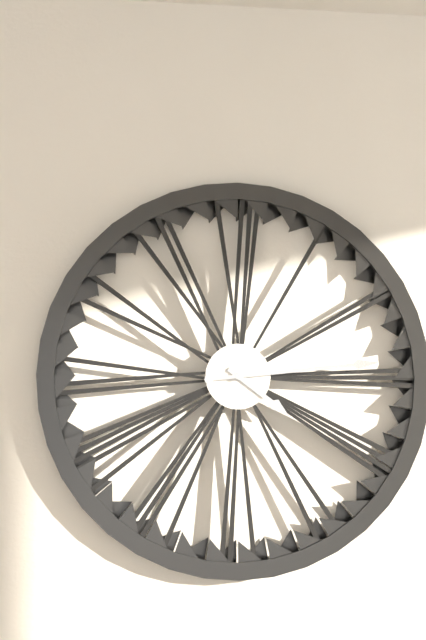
4:14
